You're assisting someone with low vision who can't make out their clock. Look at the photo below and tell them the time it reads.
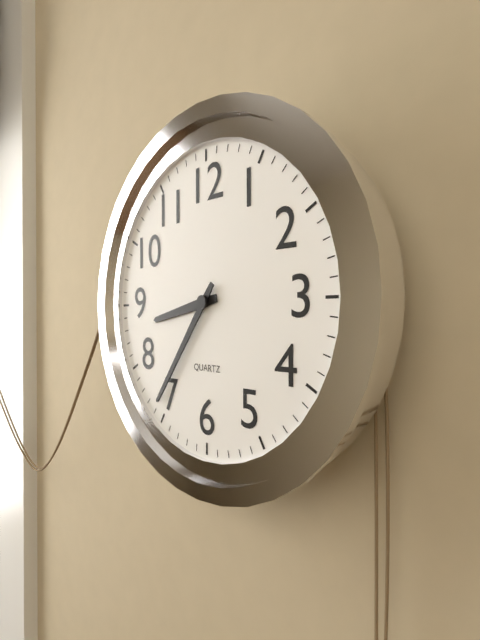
8:36
